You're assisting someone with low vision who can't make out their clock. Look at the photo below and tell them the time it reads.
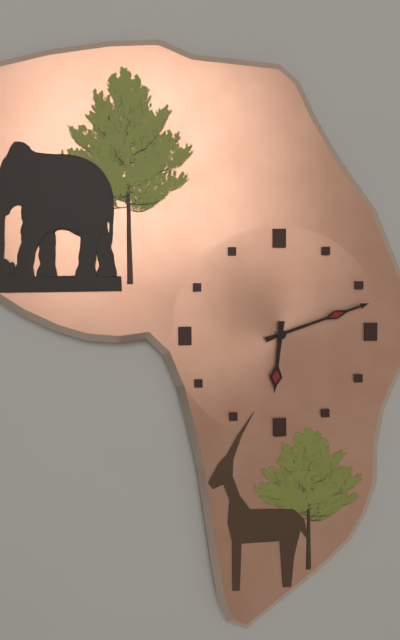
6:12
